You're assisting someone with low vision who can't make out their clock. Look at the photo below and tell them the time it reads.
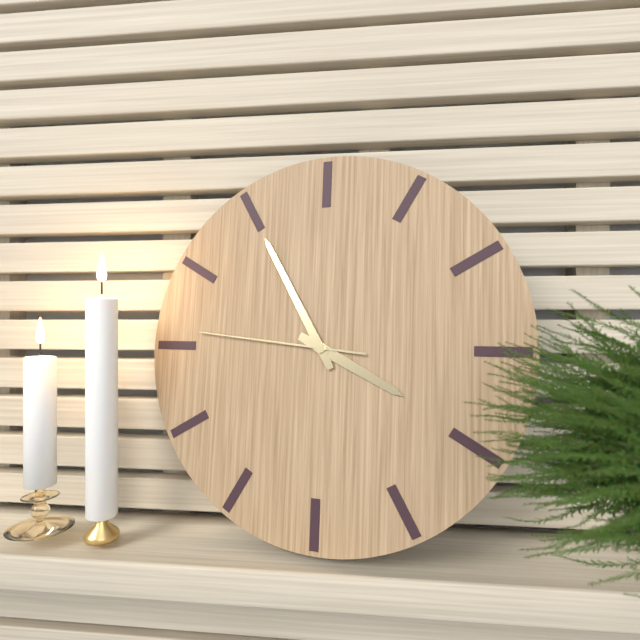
3:55:46
